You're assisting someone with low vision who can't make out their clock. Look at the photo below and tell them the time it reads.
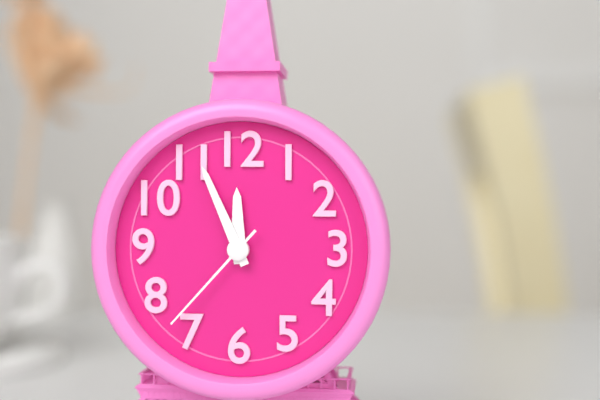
11:56:37
